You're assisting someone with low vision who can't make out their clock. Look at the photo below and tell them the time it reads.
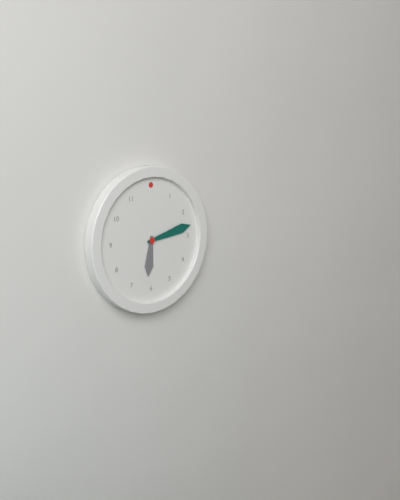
6:13
